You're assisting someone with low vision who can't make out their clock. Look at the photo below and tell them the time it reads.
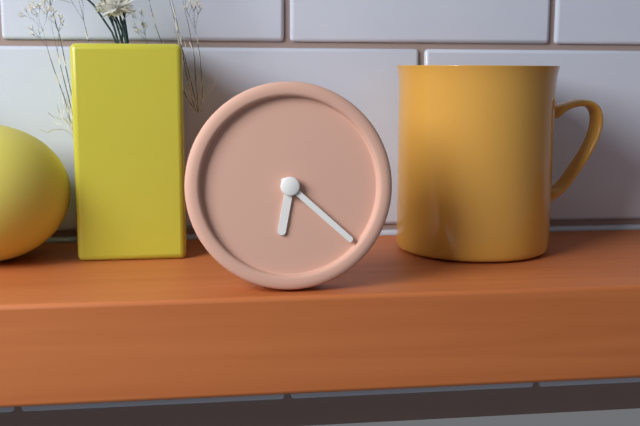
6:22
